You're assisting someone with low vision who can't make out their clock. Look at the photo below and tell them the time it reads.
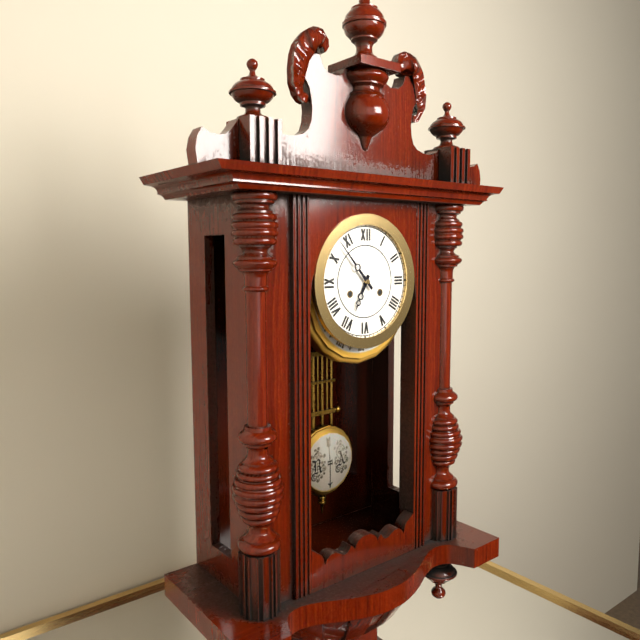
6:53
